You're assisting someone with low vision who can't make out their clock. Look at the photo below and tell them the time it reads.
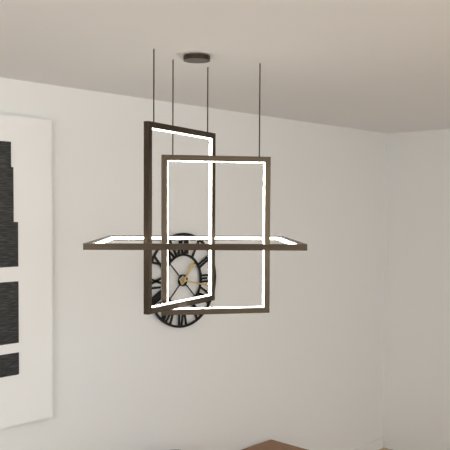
1:17
